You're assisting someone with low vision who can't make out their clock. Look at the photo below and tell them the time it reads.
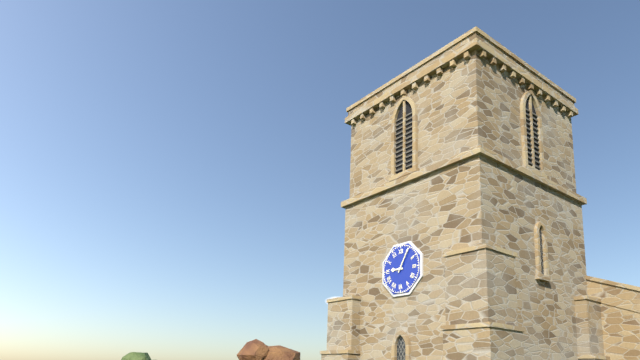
9:05
